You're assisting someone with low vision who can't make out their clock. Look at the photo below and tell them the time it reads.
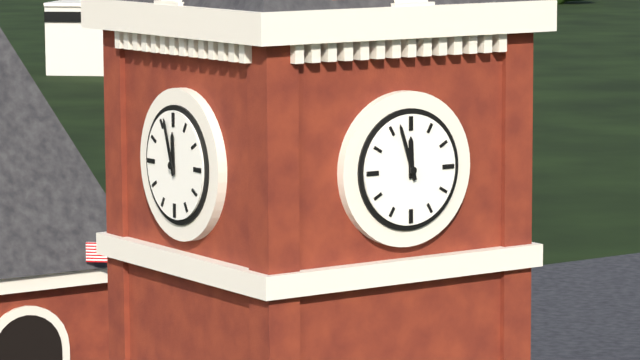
11:57
